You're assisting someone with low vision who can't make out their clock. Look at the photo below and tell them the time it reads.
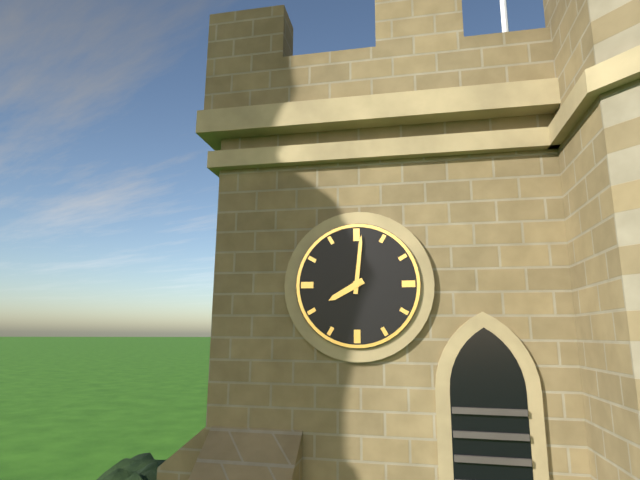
8:01
